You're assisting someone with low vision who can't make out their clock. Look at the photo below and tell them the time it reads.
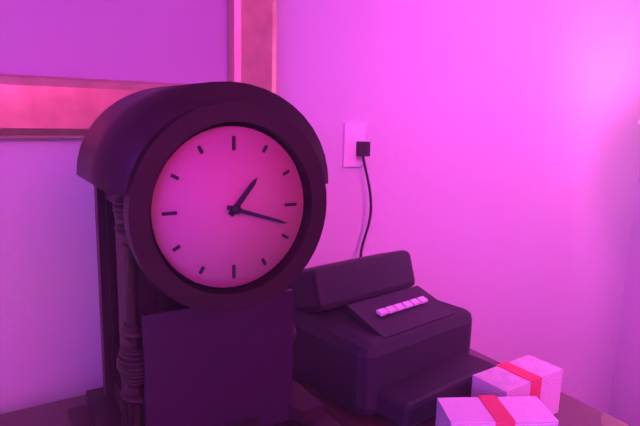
1:18
